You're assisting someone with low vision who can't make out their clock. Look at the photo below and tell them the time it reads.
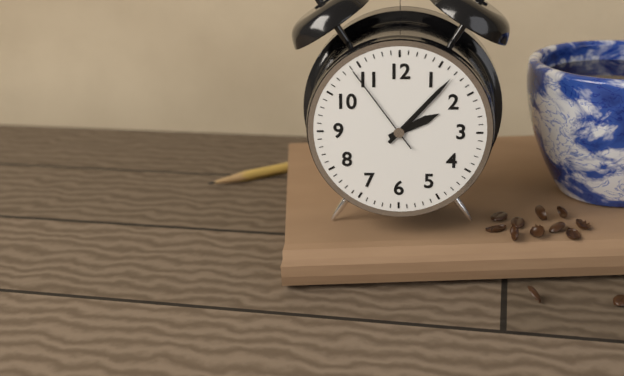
2:07:54
